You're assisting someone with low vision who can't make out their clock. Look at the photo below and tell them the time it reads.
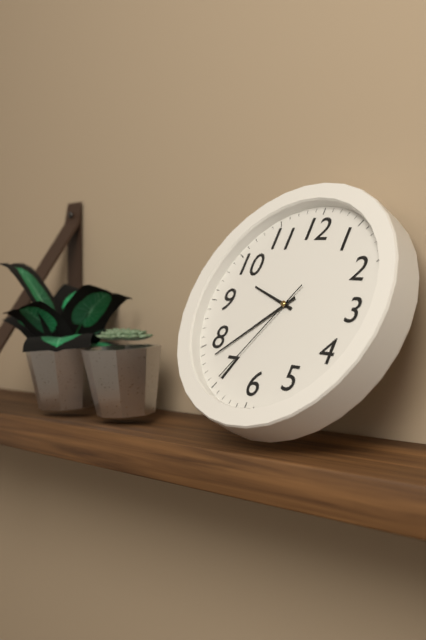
9:38:35
